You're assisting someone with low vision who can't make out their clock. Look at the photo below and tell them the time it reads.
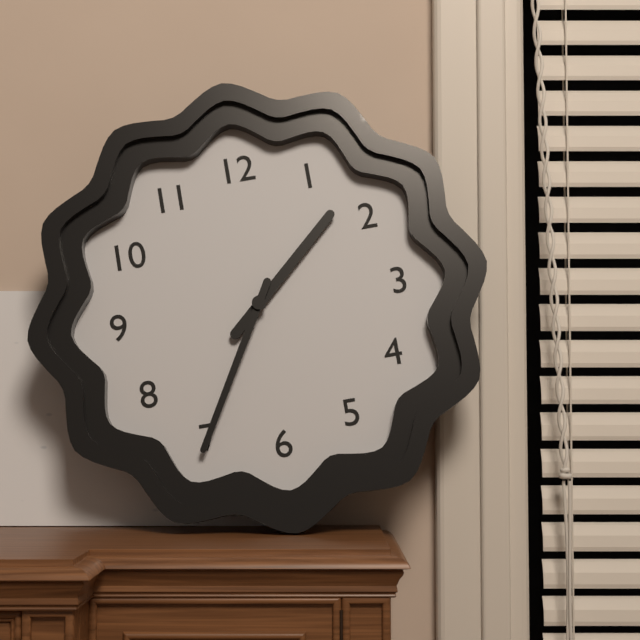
1:35
